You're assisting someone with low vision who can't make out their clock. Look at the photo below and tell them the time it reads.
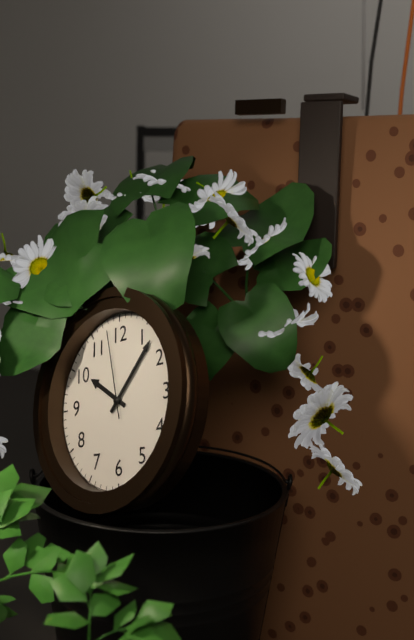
10:07:58
